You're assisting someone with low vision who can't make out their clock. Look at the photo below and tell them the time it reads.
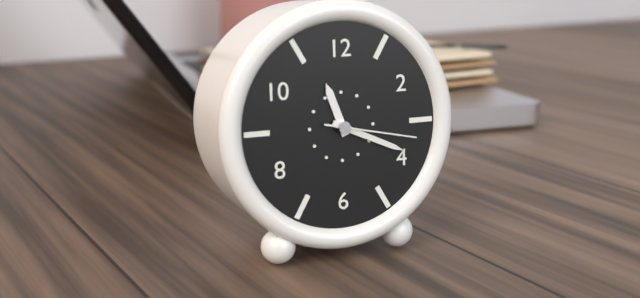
11:19:17
